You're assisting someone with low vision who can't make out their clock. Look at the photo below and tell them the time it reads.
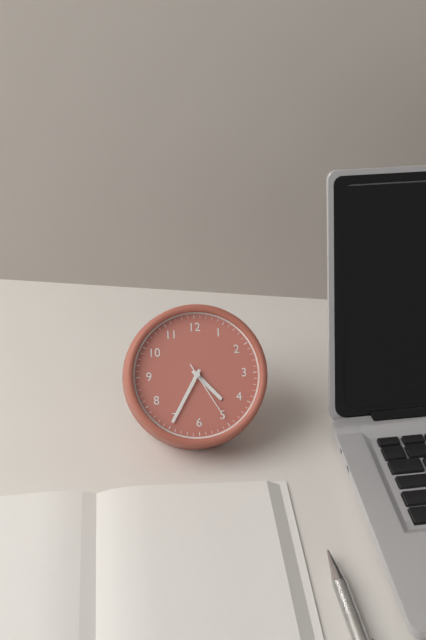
4:35:25
